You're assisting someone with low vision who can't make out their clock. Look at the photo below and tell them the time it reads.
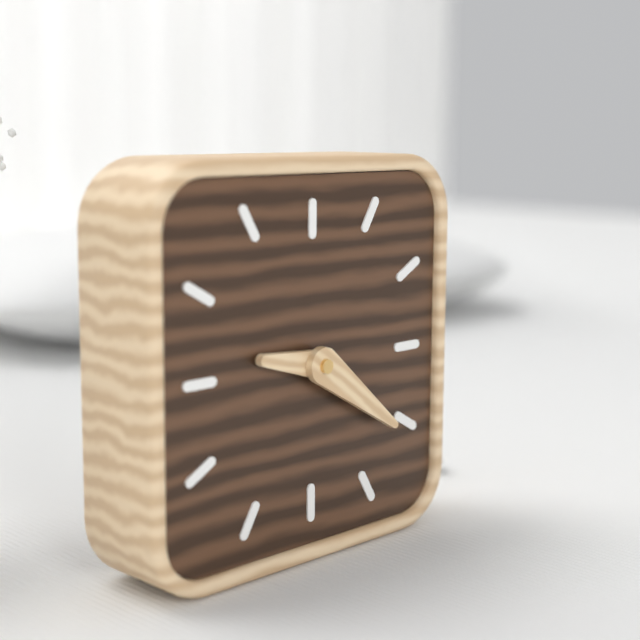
9:21
